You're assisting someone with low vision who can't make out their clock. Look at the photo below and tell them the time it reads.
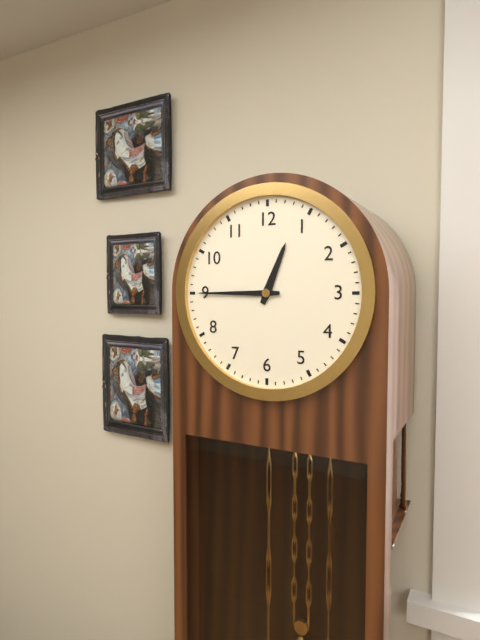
12:45
